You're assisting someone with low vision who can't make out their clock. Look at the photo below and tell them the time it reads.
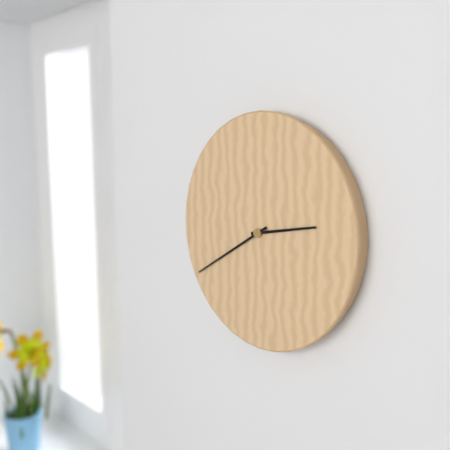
2:40
